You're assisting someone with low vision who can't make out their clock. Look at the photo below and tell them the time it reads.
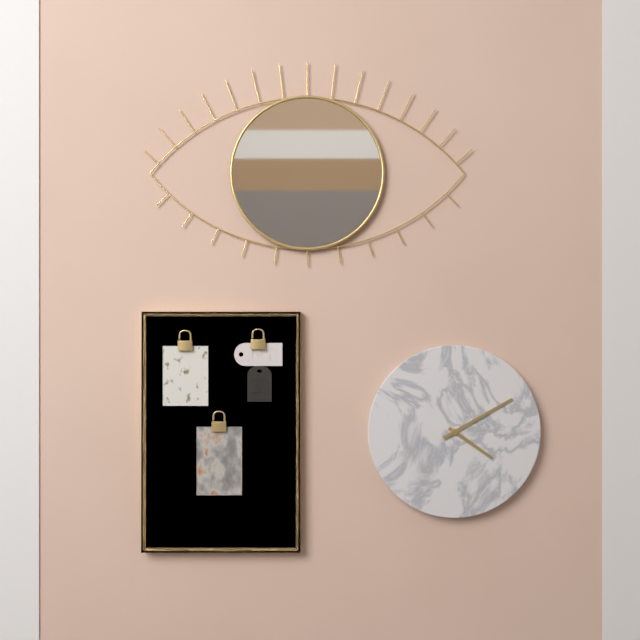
4:10
